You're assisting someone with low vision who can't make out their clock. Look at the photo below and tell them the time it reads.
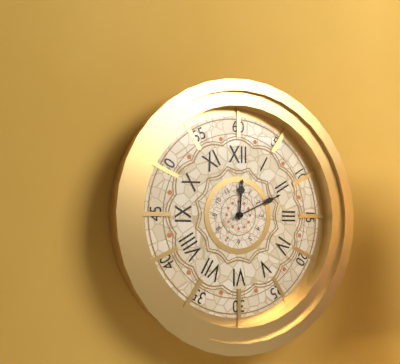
12:11
